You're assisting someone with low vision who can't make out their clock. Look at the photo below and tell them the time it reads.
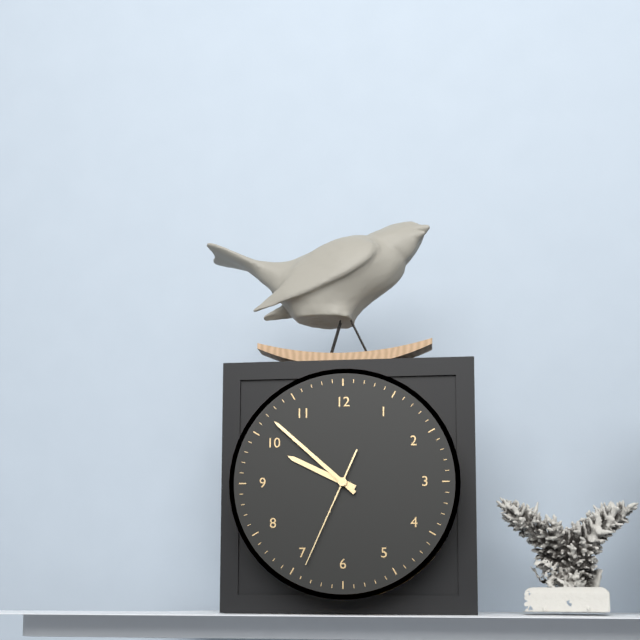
9:52:34
